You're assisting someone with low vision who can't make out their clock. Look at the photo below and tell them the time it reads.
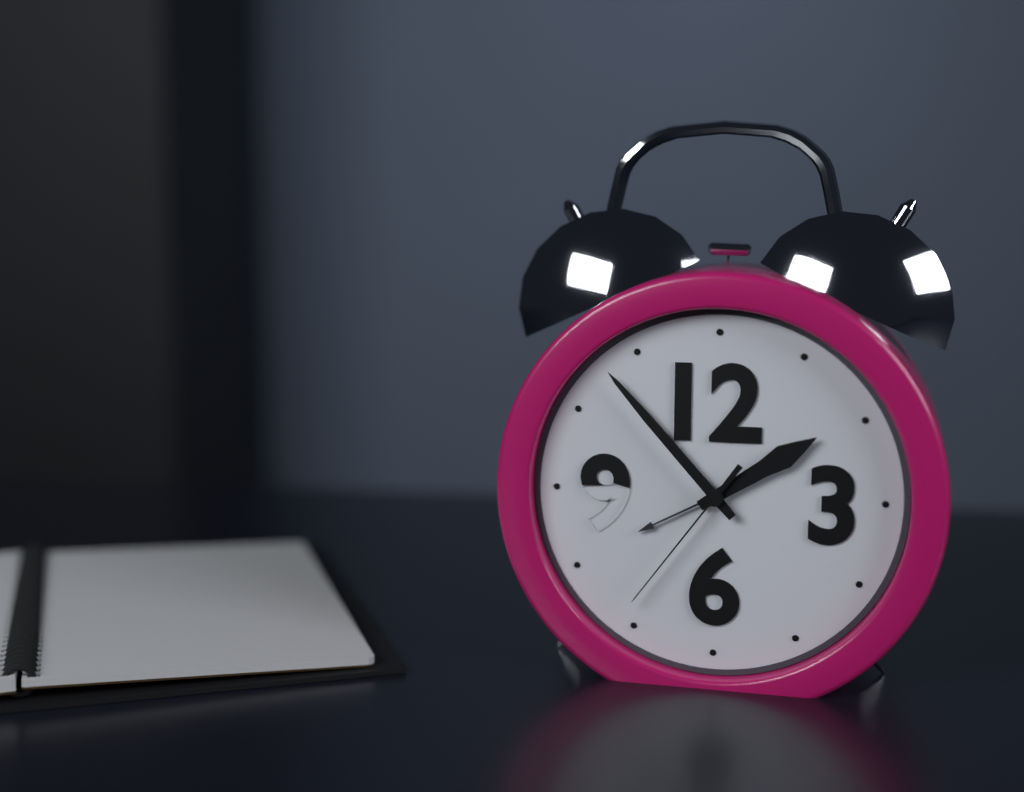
1:53:36
